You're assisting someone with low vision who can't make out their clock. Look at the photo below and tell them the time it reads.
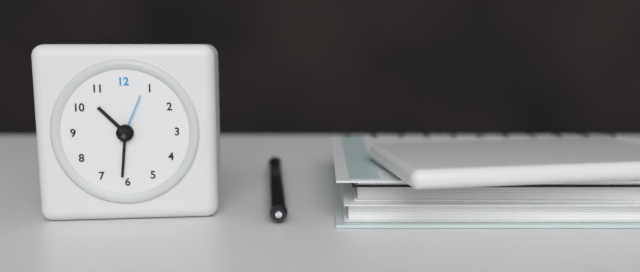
10:31
